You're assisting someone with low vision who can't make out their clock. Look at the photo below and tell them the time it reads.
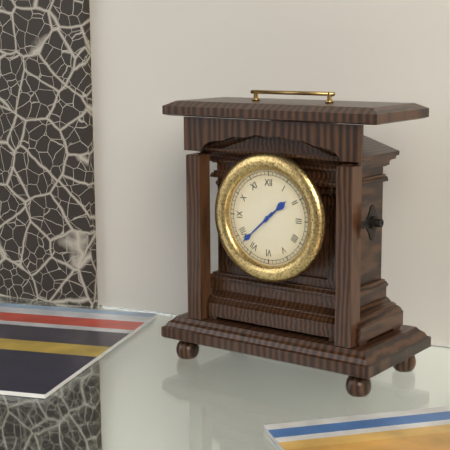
1:38
